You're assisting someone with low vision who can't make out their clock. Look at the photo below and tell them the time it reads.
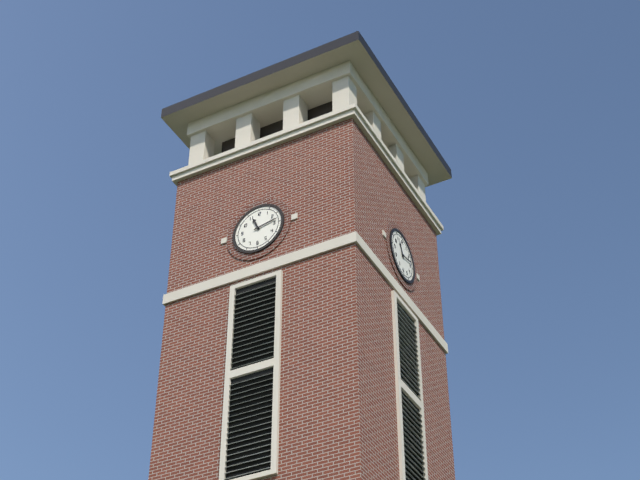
11:13
